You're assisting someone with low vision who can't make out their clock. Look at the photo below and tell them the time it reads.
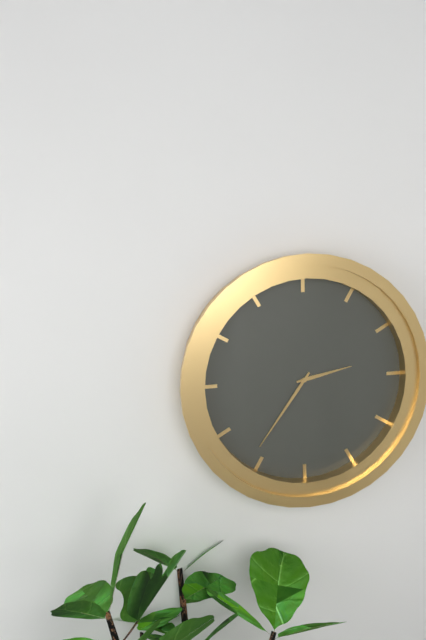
2:36
